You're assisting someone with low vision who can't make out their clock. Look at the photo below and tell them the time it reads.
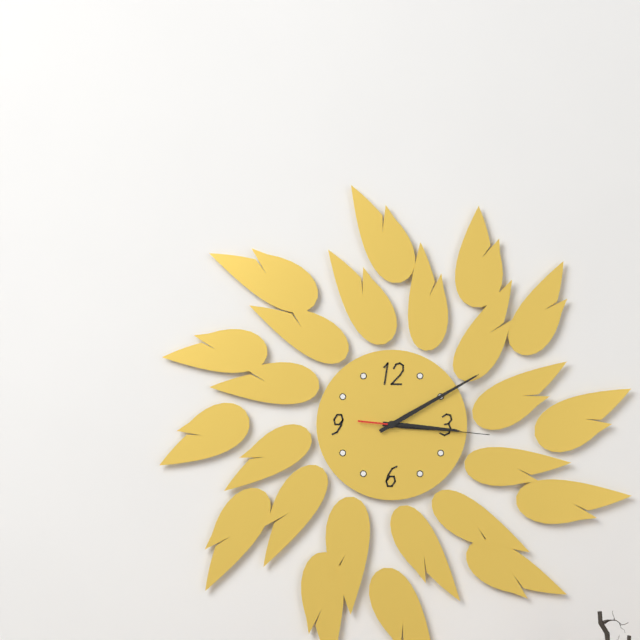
3:10:16
